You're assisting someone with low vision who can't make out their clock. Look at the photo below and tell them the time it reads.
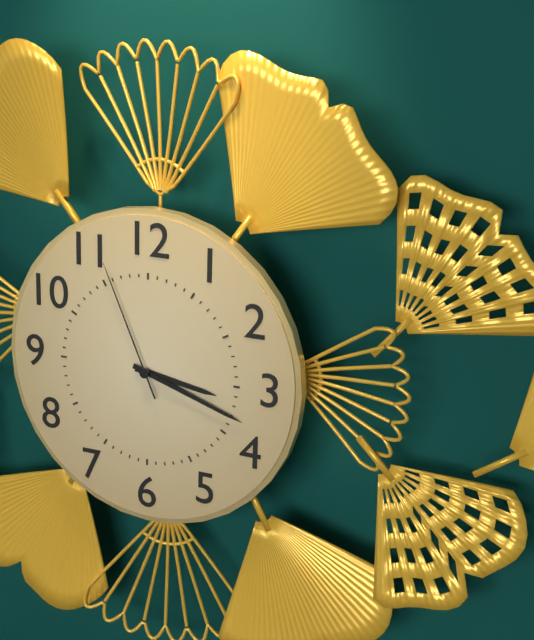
3:18:56
